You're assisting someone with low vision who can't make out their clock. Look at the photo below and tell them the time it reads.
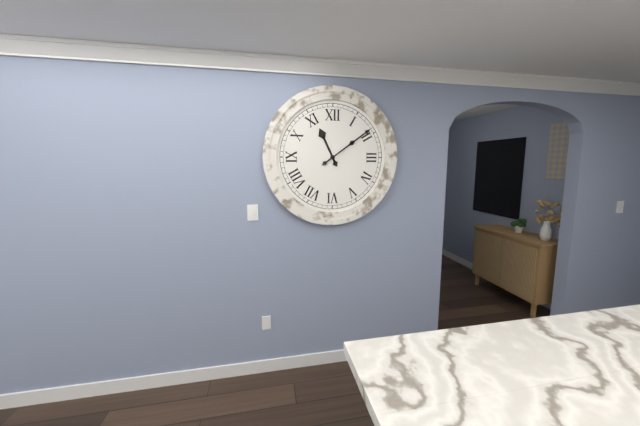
11:09
